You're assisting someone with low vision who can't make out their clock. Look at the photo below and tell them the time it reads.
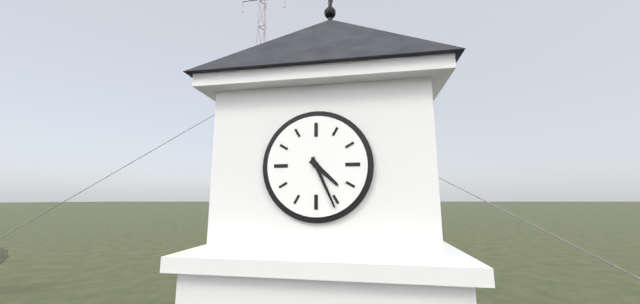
4:26
